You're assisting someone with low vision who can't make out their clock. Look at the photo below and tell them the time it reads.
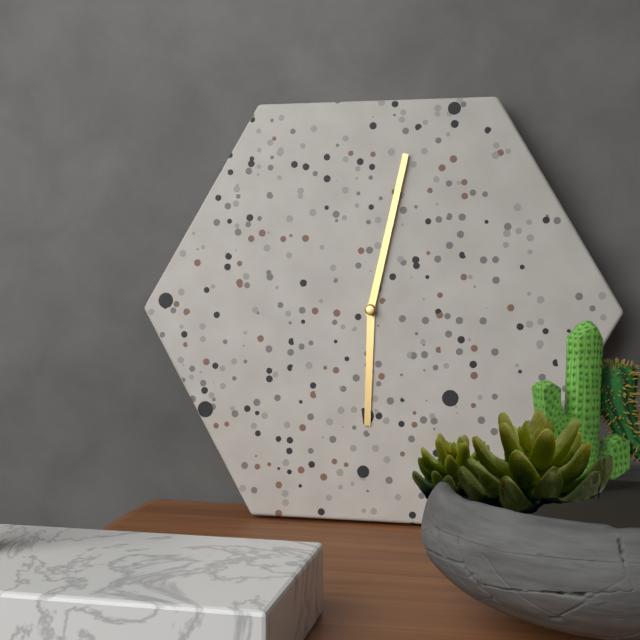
6:02
